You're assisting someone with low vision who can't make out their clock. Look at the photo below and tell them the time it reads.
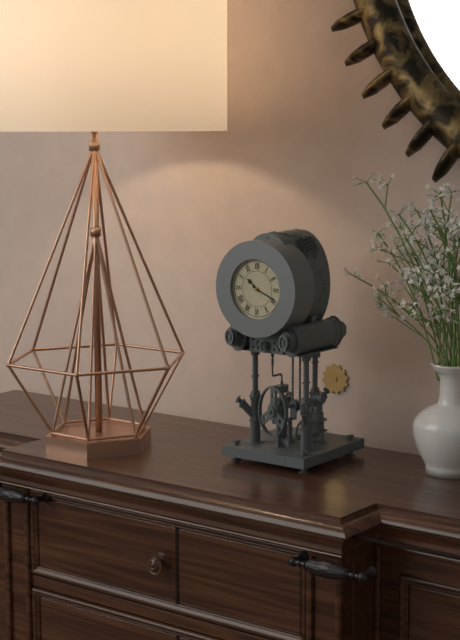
10:19
